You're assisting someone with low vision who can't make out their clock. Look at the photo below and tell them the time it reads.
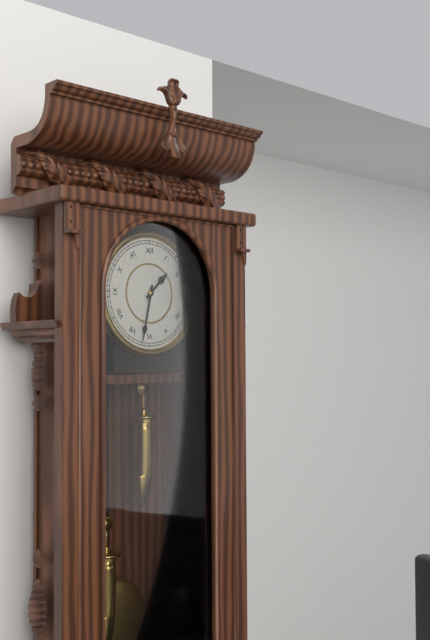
1:32
